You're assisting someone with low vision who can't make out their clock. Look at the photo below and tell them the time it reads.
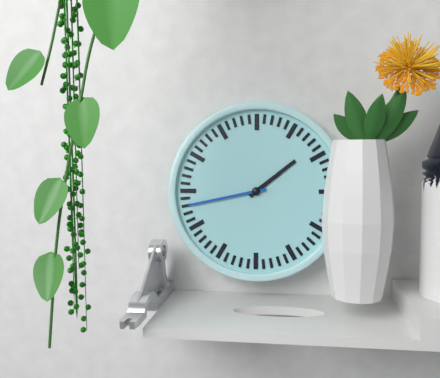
1:43
